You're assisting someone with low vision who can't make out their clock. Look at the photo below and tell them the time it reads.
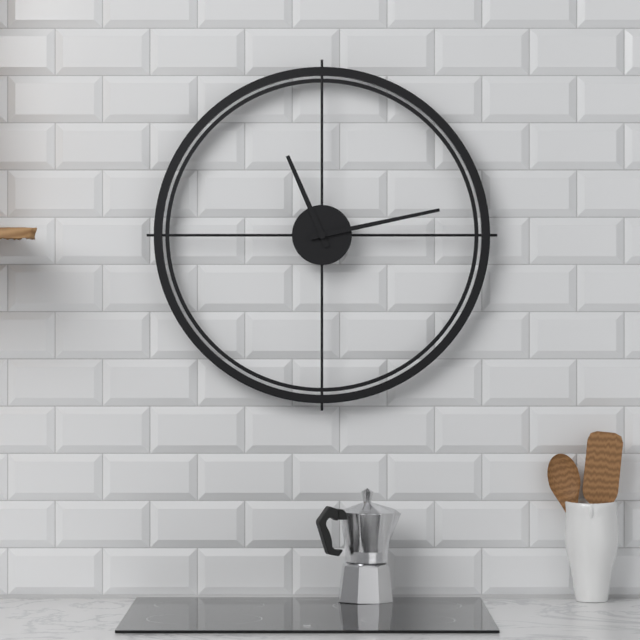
11:13
